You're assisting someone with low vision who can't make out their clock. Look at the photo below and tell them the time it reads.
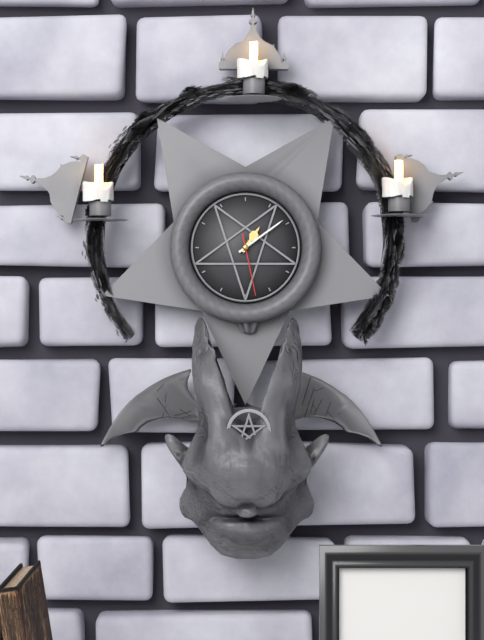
1:09:28
